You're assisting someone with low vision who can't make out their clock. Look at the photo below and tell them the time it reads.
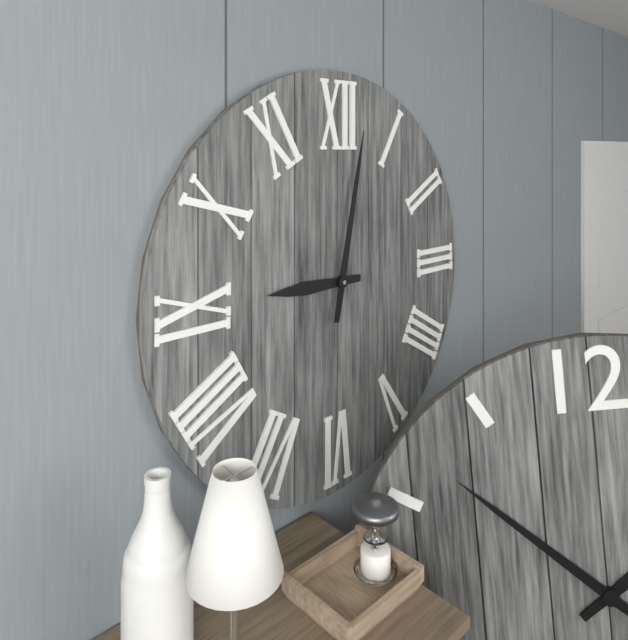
9:02
